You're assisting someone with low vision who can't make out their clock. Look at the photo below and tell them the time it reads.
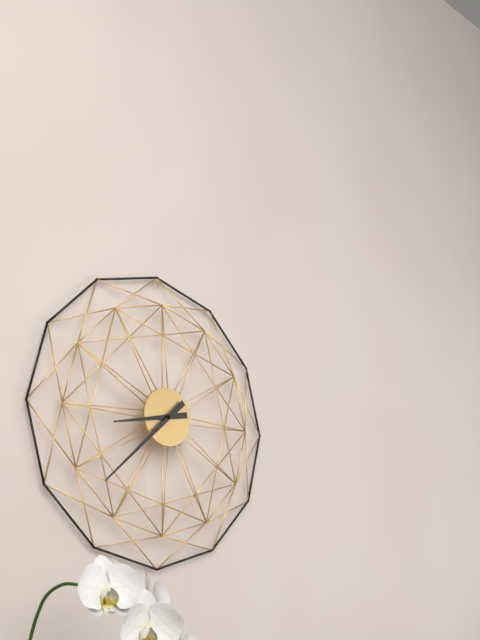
8:38
